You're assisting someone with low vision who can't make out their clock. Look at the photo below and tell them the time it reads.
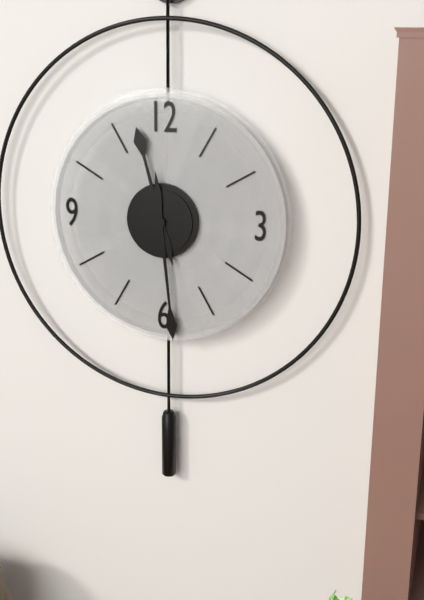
11:29
